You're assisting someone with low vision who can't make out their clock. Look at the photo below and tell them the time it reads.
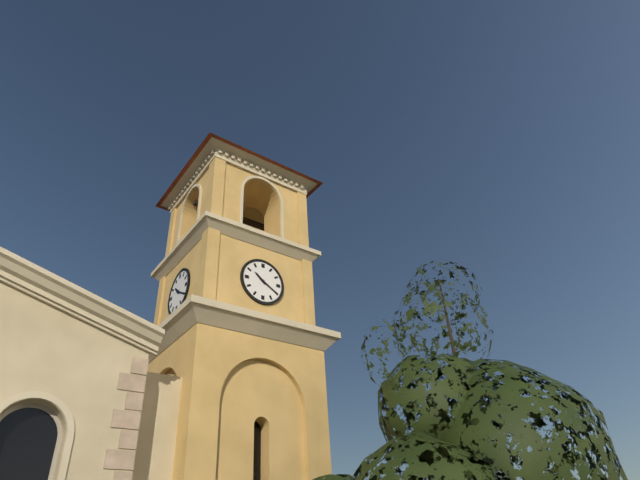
10:20
